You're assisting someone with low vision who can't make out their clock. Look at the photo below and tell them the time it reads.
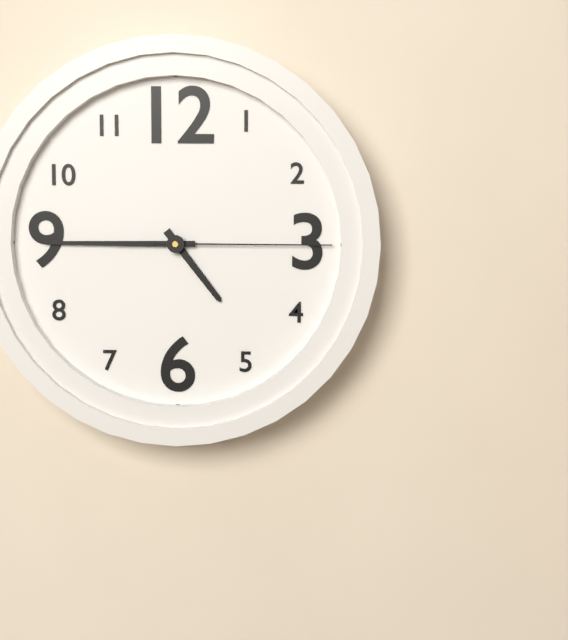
4:45:15
